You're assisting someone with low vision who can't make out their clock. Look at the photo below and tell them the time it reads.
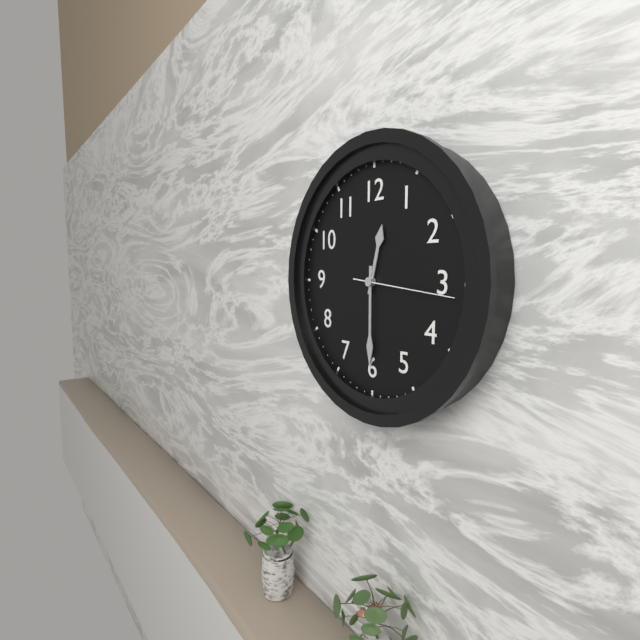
12:30:16
